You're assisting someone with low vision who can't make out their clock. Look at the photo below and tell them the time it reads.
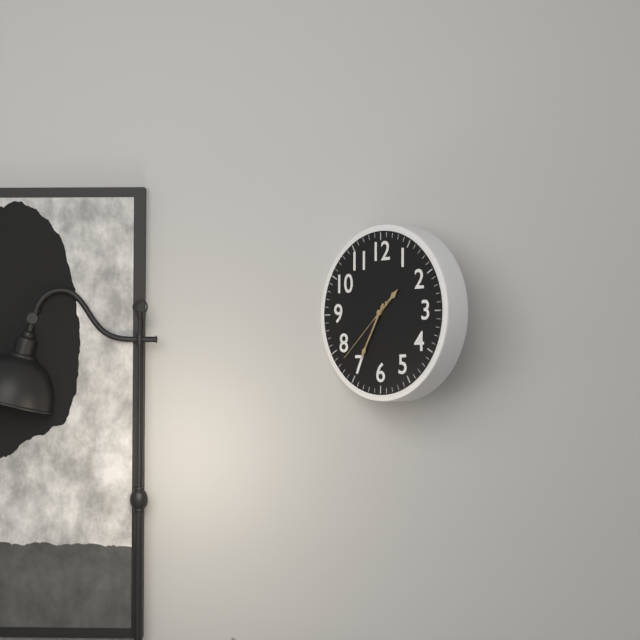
1:35:38
